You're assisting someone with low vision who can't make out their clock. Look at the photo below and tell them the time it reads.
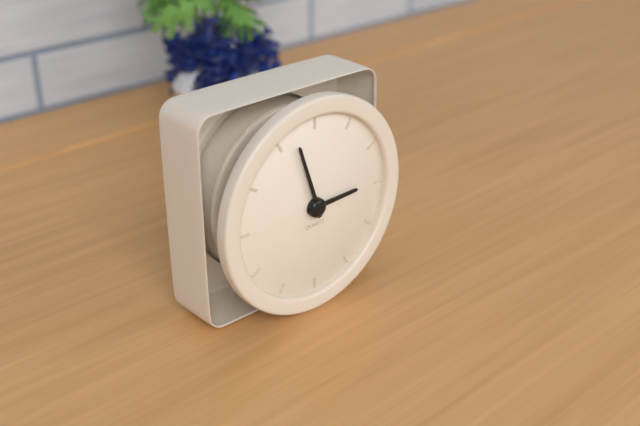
2:57
